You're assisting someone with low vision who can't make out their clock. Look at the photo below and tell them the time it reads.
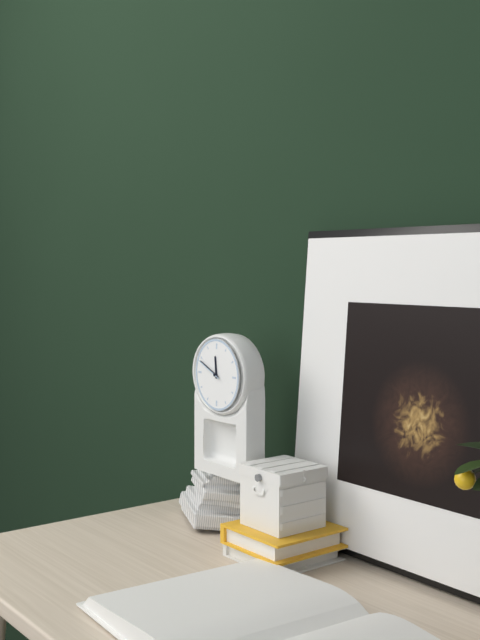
11:49
